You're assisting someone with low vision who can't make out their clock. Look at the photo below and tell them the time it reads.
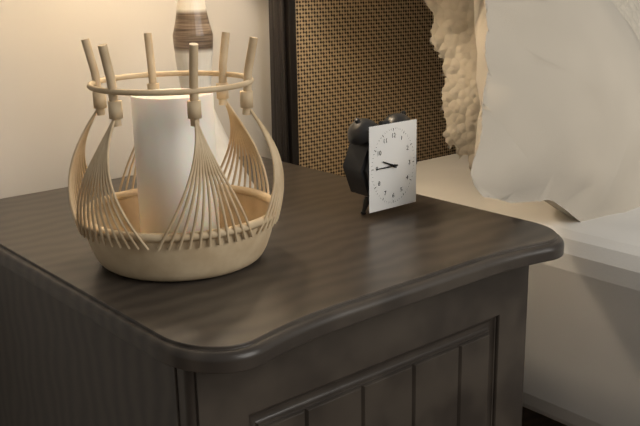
9:45
